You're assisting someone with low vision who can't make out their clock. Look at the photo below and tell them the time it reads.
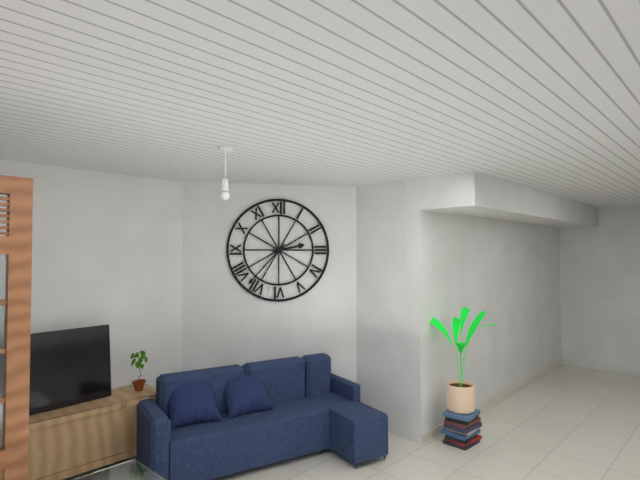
2:37
